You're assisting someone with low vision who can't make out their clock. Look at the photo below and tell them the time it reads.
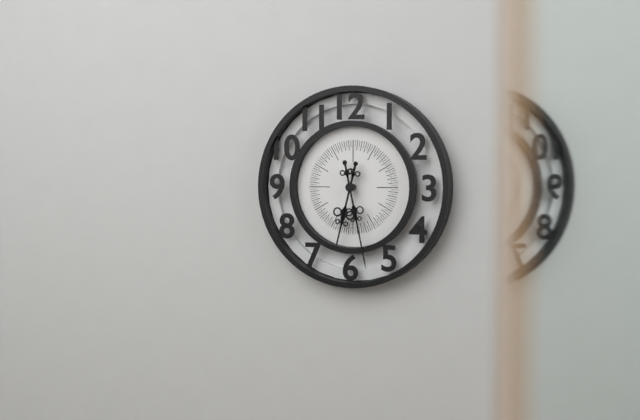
6:28
